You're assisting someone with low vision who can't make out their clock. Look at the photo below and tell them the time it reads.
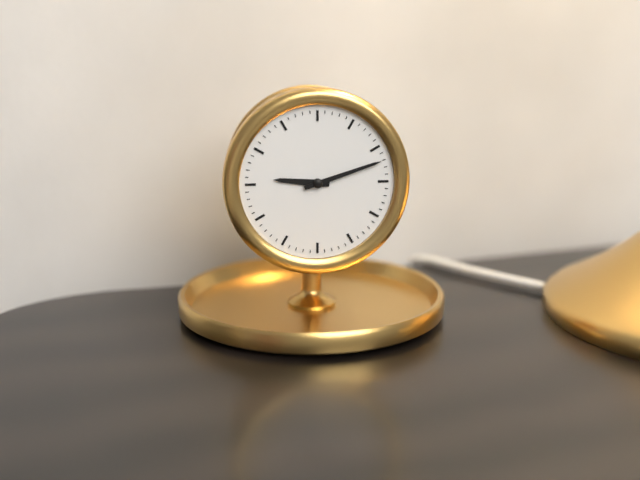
9:12
